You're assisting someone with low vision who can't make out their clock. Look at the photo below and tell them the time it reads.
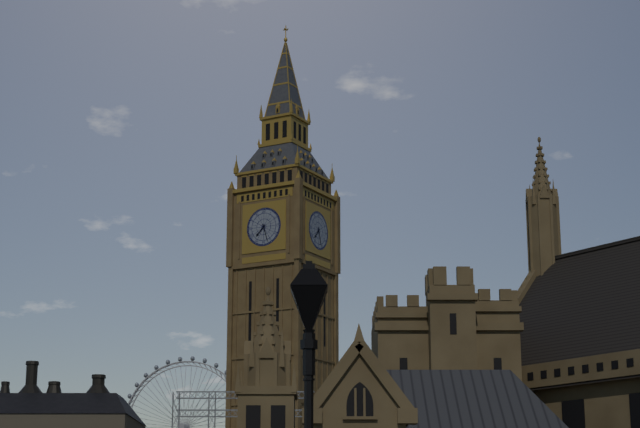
7:27
